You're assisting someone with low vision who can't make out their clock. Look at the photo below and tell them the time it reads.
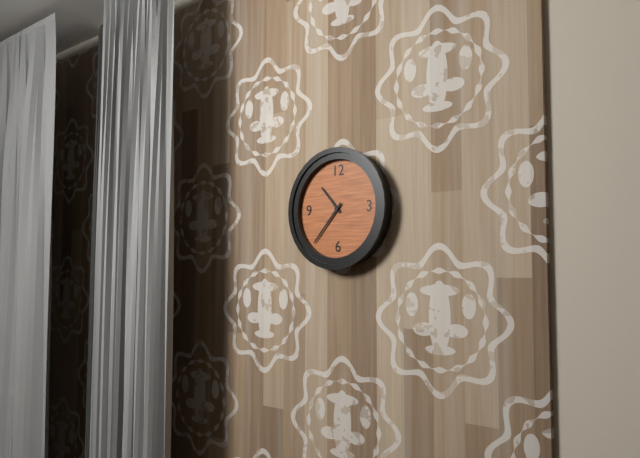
10:37
